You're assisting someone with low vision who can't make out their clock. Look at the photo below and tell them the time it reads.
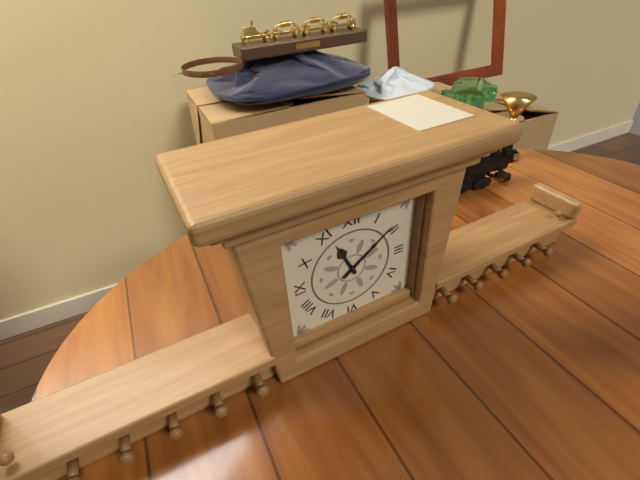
11:09
